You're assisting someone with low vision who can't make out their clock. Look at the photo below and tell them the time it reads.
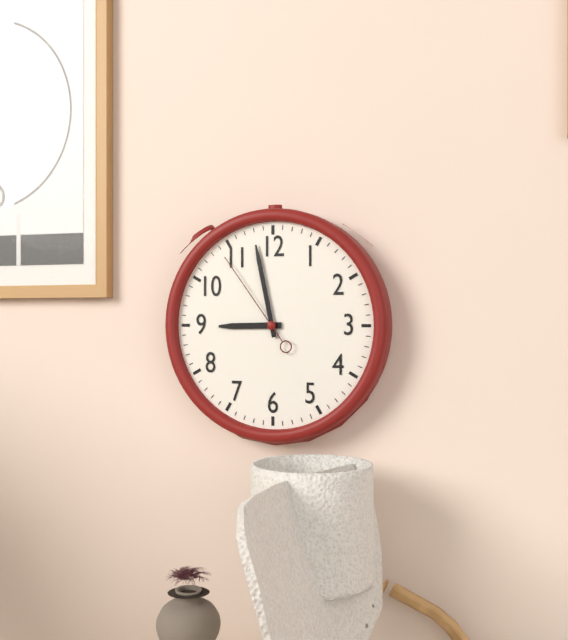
8:58:54
